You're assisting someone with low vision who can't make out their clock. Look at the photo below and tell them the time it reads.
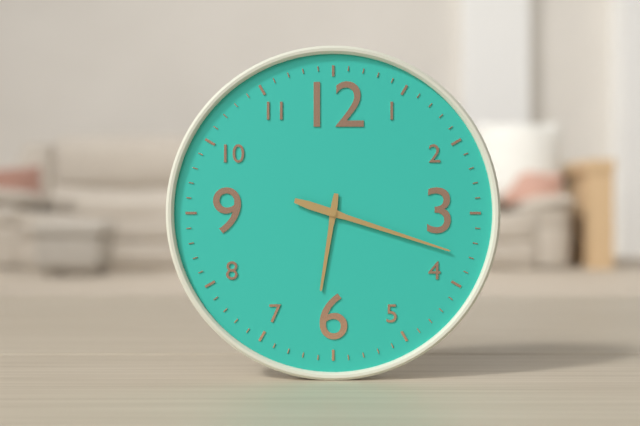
6:18
